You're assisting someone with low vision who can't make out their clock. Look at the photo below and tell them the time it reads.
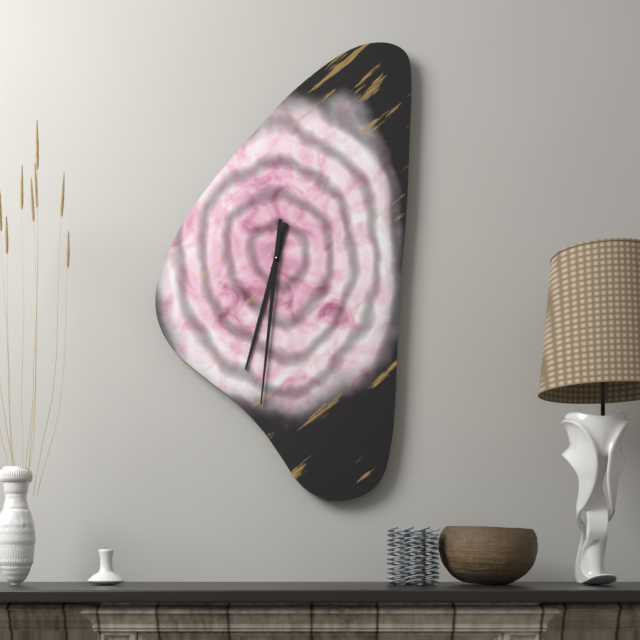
6:31
